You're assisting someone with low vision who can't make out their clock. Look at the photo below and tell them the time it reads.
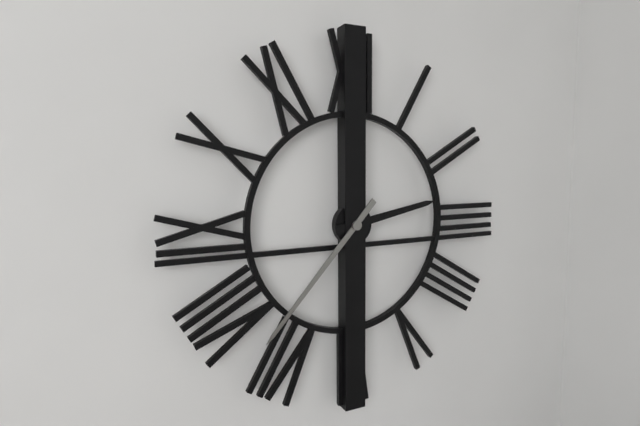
2:37
